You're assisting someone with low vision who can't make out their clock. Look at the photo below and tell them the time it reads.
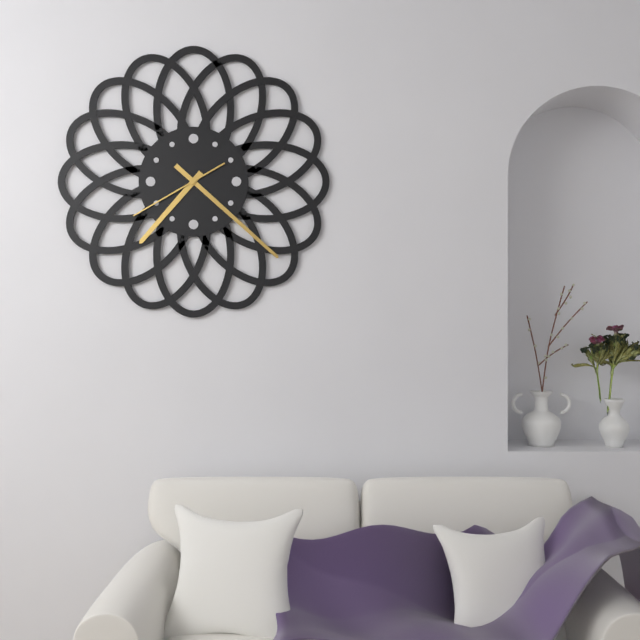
7:22:40
